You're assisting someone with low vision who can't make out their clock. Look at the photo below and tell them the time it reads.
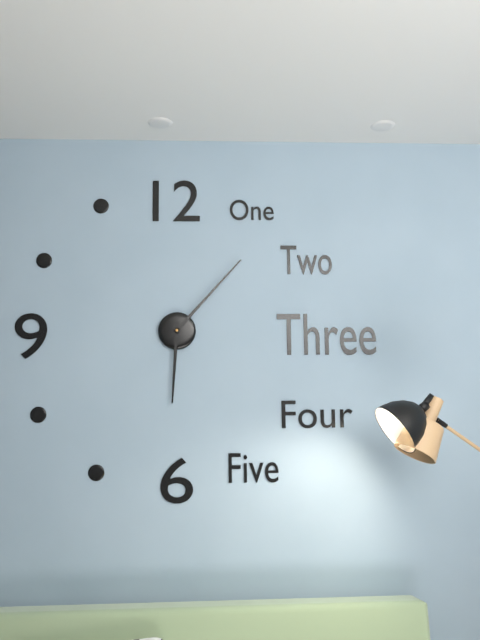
6:07
